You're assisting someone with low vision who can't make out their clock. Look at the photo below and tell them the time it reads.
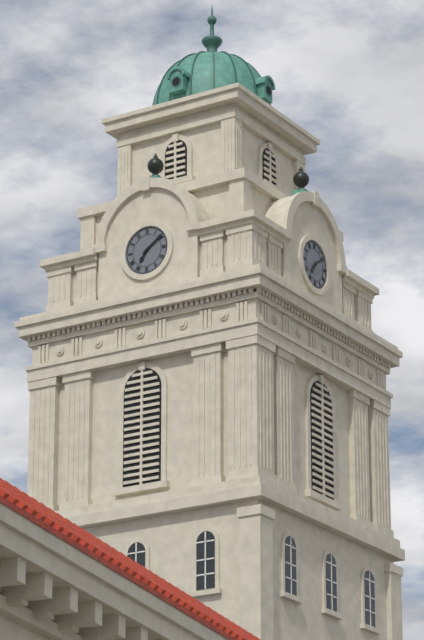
7:09
